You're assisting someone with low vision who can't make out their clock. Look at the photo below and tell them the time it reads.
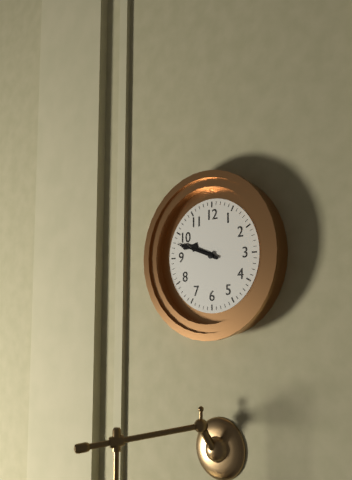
9:48
